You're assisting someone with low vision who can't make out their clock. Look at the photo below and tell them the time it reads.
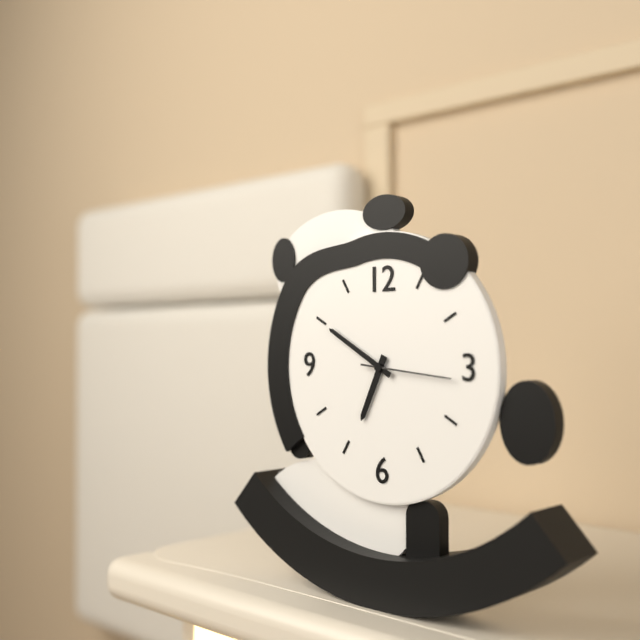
6:50:16
